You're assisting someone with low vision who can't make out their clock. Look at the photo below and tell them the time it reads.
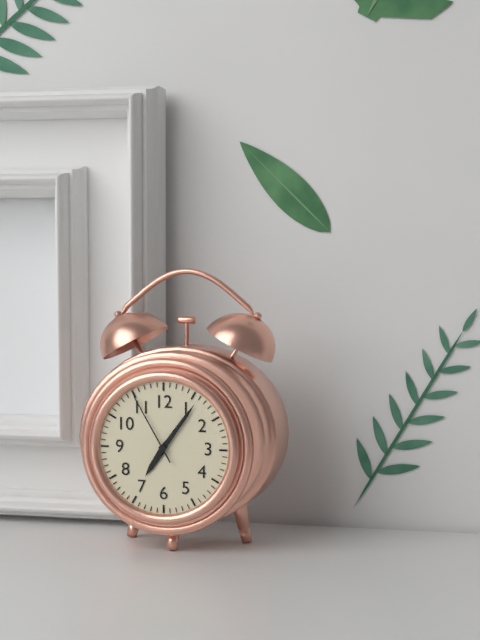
7:06:55
